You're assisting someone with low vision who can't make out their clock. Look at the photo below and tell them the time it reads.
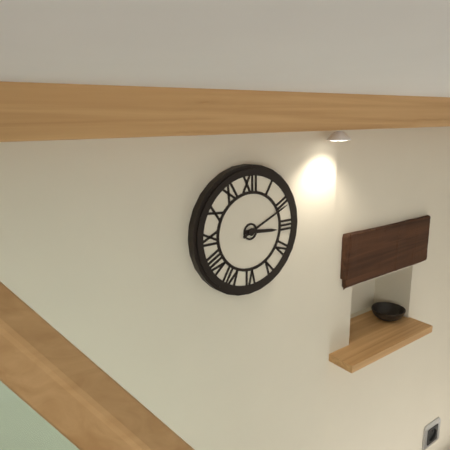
3:11
